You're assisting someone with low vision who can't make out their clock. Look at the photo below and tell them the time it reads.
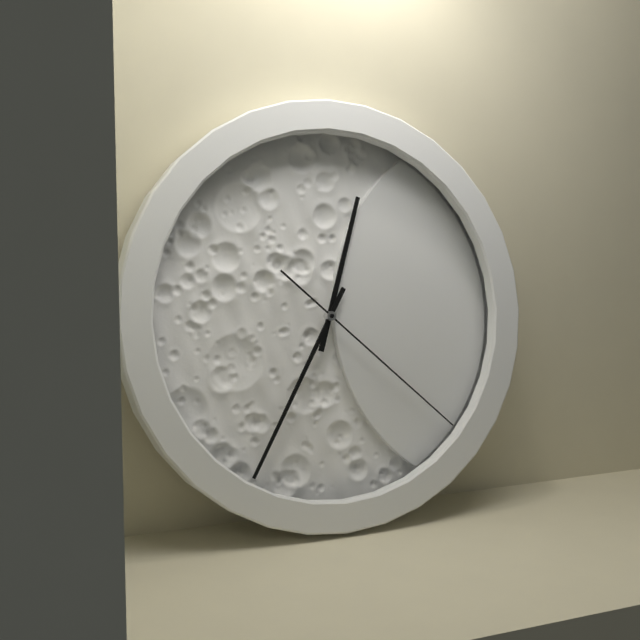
12:35:22
